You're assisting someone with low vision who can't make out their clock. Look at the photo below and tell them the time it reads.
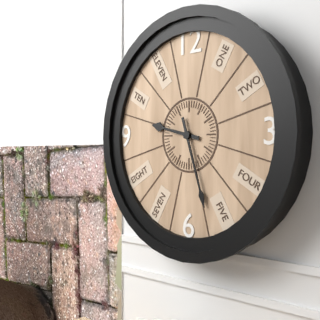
9:27
